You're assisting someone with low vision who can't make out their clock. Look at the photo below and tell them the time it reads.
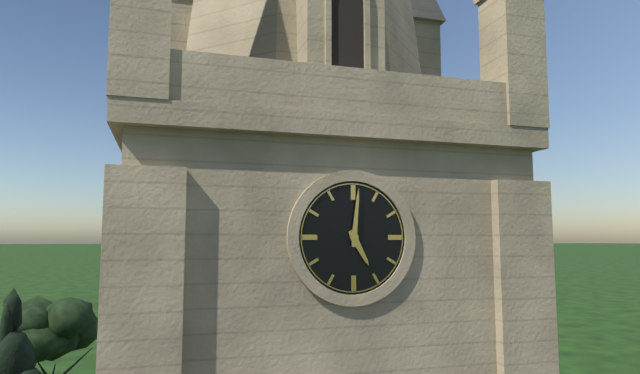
5:01
